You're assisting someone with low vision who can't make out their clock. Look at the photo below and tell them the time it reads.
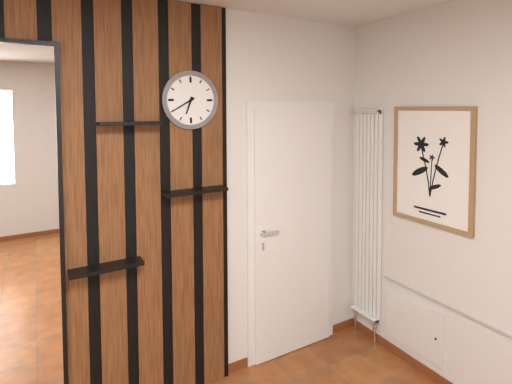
6:40
